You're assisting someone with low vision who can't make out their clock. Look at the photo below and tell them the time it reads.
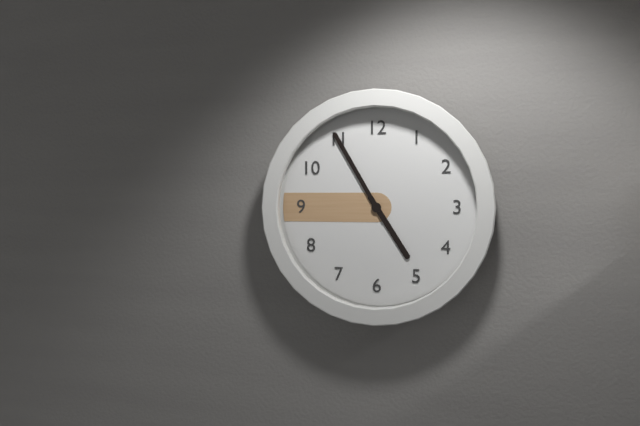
4:55
